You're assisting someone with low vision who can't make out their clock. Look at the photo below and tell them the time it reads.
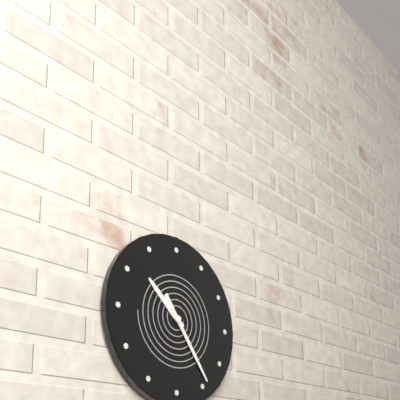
10:24
